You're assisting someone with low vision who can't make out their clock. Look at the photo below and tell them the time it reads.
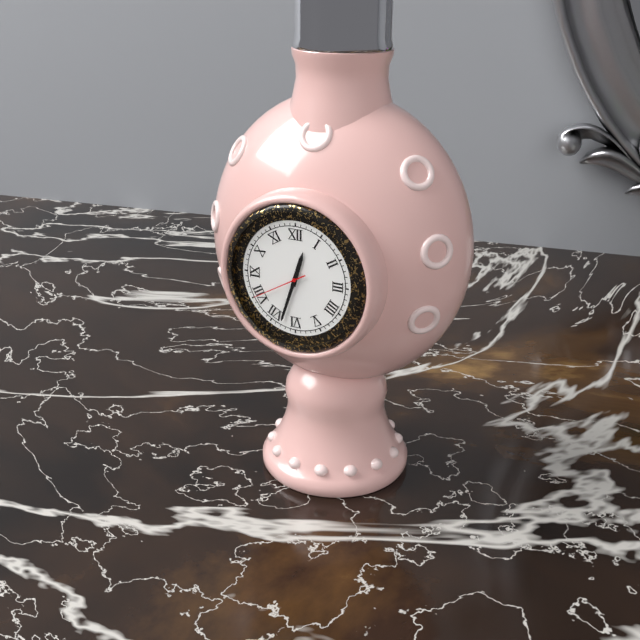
12:33:40
